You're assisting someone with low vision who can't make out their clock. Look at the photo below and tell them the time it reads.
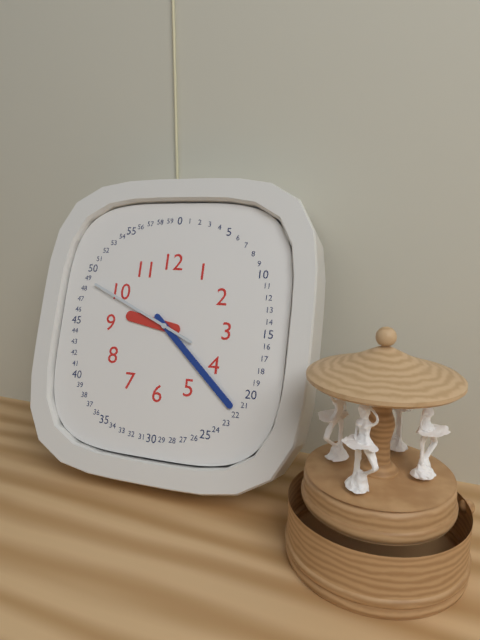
9:22:49
